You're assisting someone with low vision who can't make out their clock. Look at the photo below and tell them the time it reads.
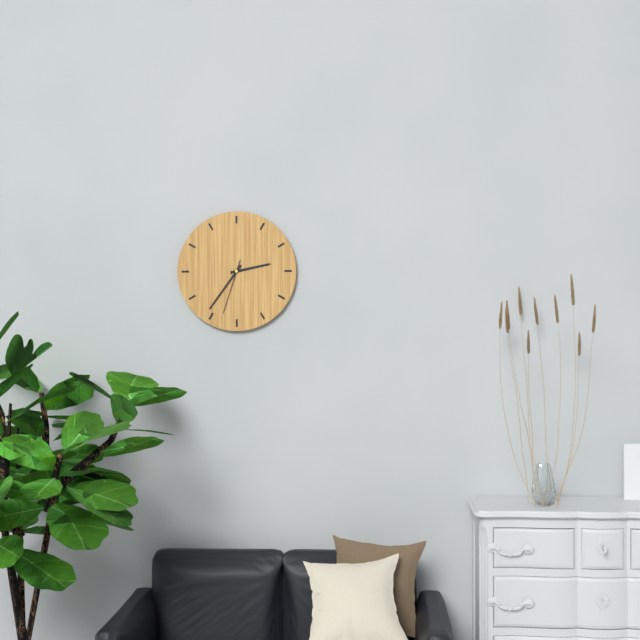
2:36:33
